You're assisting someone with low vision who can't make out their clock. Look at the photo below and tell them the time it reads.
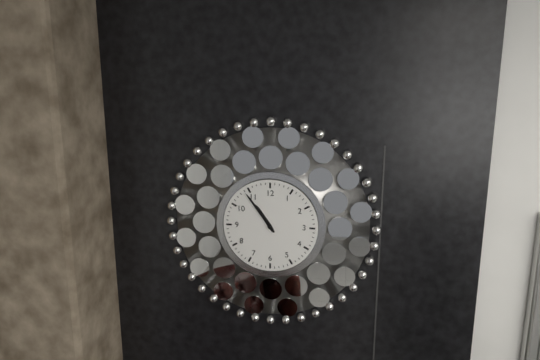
10:54
